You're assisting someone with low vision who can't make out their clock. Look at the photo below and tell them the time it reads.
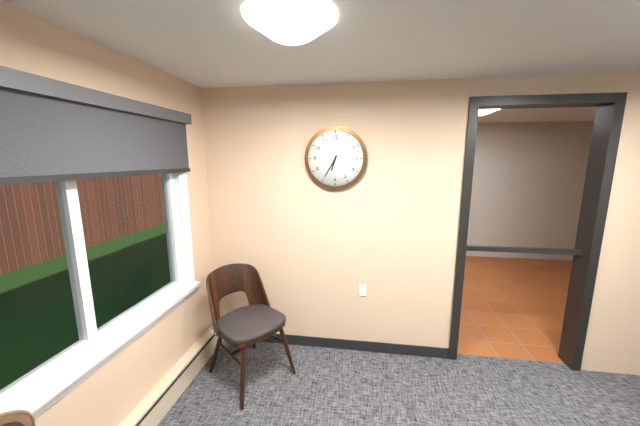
6:35
